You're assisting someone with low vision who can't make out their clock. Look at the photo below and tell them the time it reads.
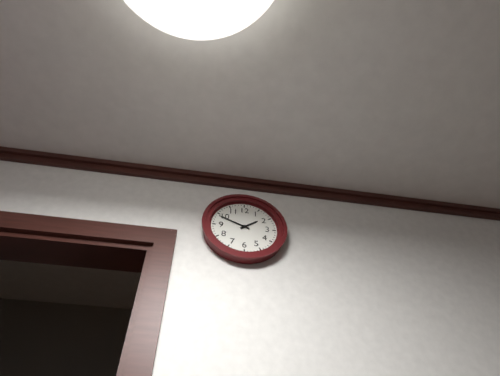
1:49
